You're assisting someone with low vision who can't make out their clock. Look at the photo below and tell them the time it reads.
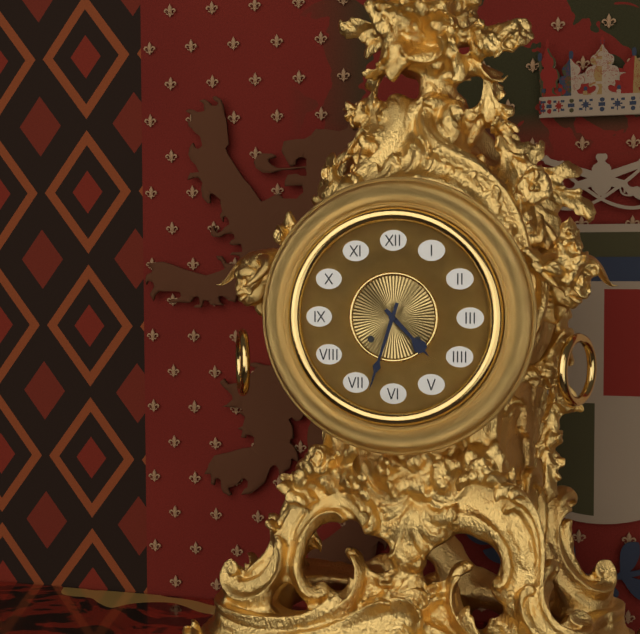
4:33
